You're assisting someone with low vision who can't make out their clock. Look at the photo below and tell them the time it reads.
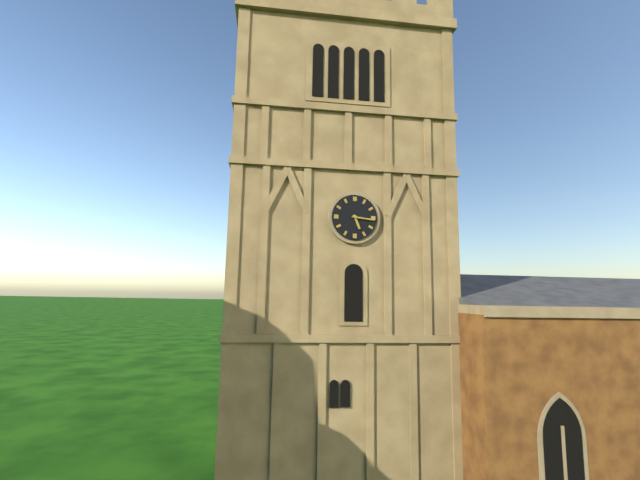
5:16
